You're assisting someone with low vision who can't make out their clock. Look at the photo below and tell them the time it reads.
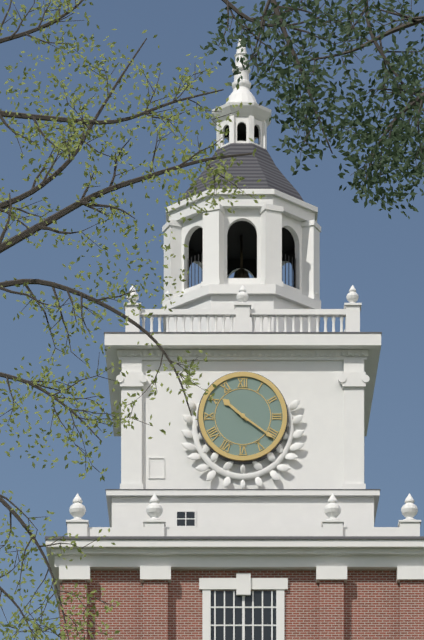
10:21
